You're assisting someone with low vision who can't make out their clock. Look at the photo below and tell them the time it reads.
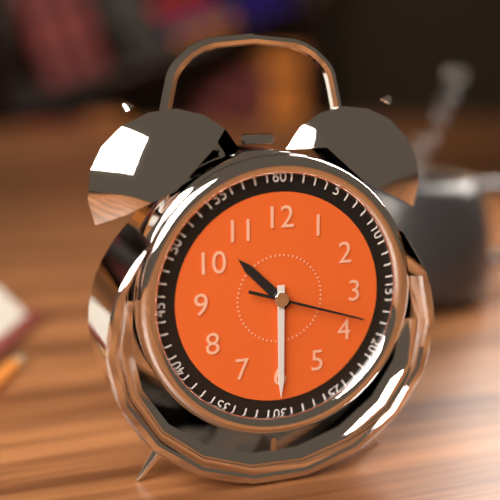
10:30:18
